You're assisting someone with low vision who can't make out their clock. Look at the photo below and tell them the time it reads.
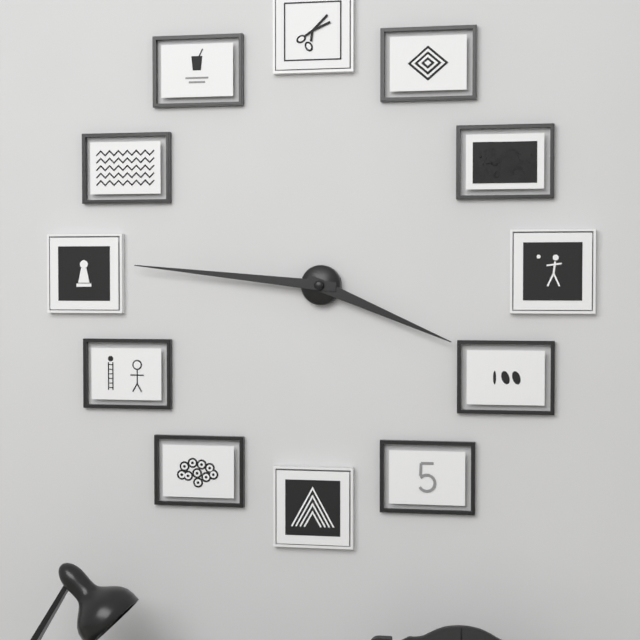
3:46
